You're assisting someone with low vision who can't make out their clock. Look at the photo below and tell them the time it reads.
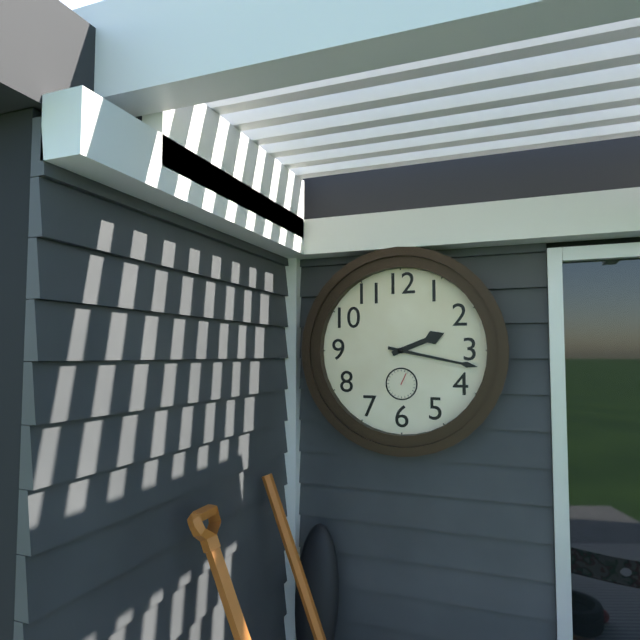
2:17
